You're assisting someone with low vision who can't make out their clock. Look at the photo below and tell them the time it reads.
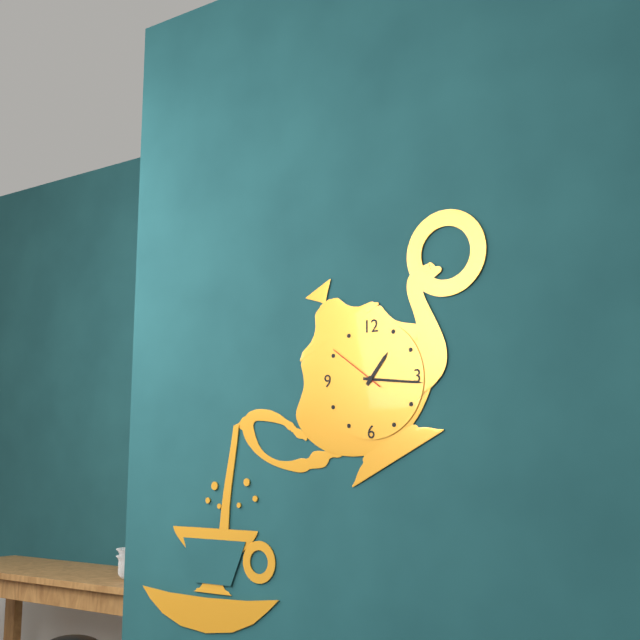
1:16:51
